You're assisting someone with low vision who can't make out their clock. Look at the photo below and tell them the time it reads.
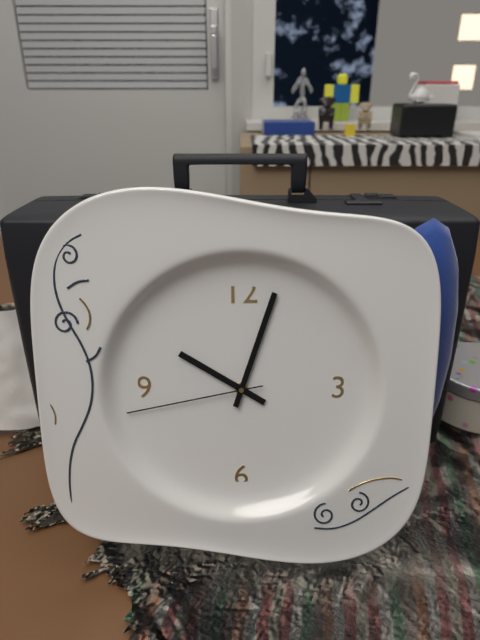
10:03:43
